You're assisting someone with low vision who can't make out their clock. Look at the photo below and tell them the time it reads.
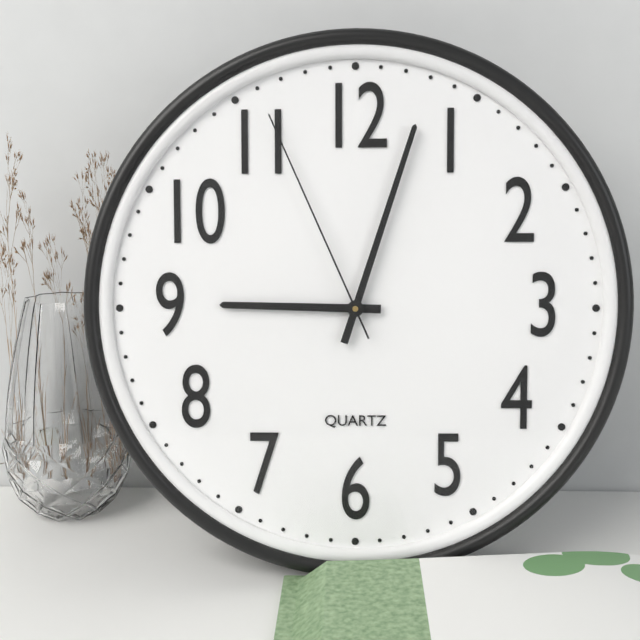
9:03:56
